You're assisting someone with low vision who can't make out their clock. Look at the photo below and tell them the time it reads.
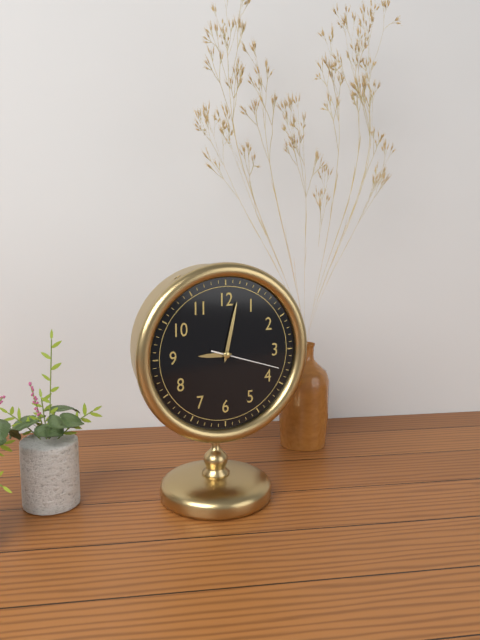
9:02:18
